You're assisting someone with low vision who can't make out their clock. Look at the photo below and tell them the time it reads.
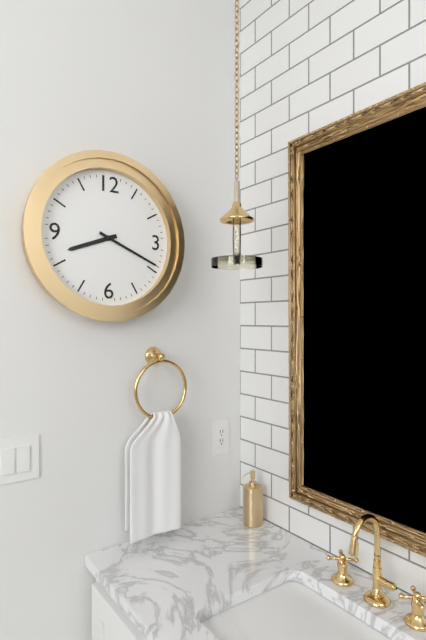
8:19
